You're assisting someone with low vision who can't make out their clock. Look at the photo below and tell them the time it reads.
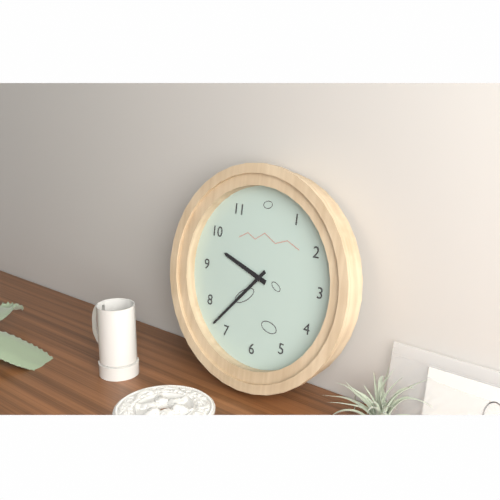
9:37
